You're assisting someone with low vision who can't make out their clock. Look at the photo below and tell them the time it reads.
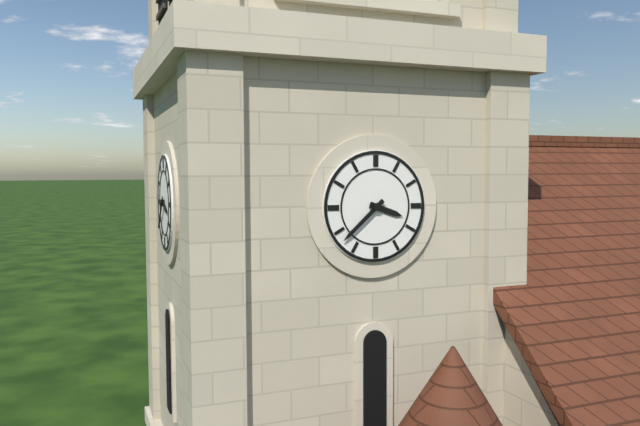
3:38
